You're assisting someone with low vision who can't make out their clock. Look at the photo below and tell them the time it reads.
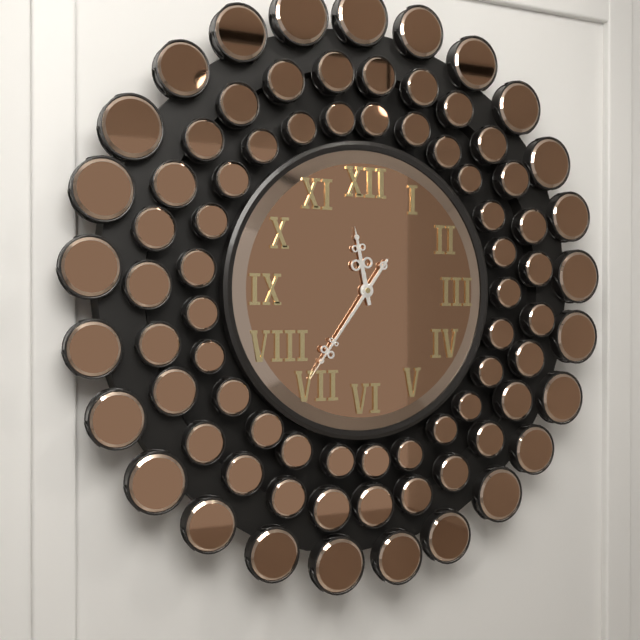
11:36
